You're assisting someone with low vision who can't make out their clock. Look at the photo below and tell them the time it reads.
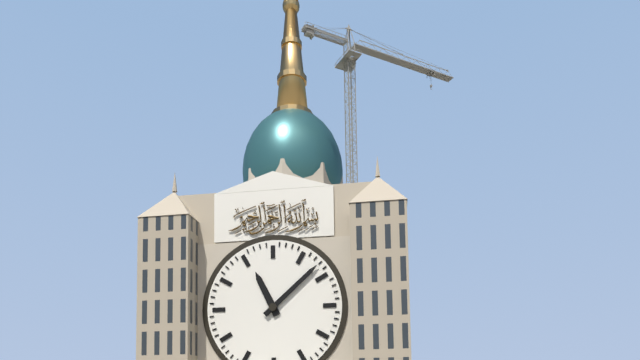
11:08
